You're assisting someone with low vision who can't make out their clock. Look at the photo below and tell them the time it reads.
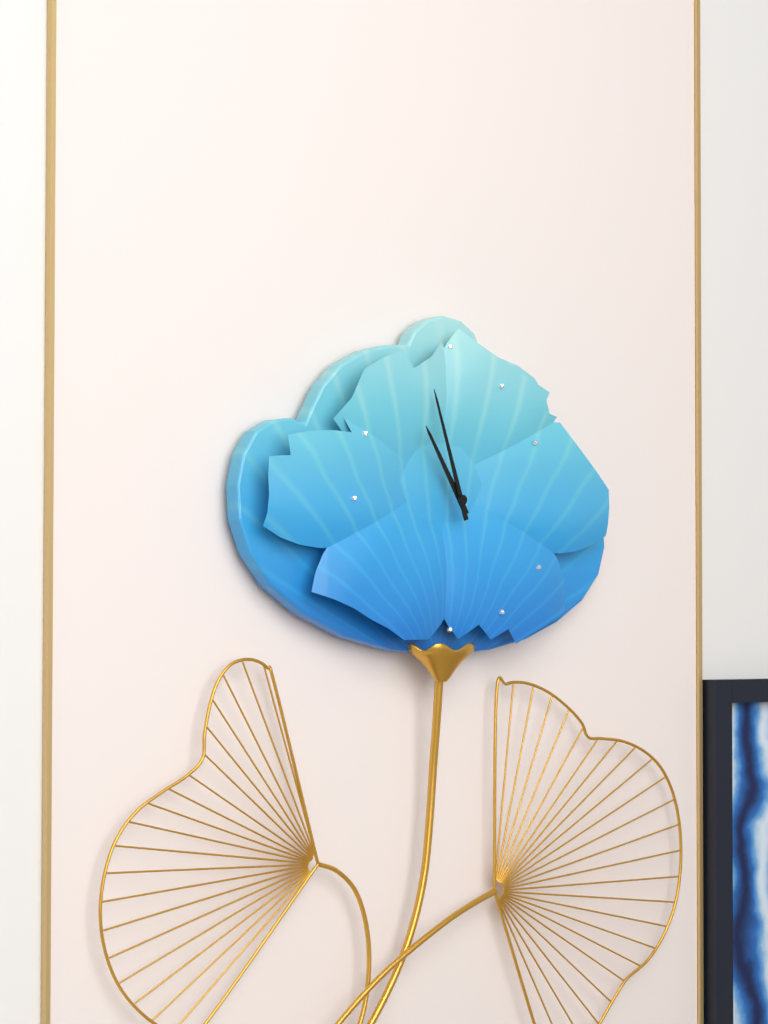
10:57
